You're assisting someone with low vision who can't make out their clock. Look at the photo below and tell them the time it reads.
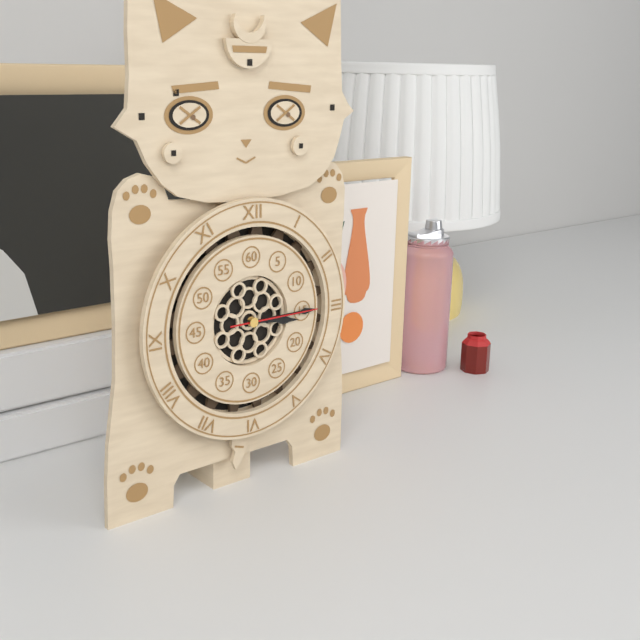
3:15:15
